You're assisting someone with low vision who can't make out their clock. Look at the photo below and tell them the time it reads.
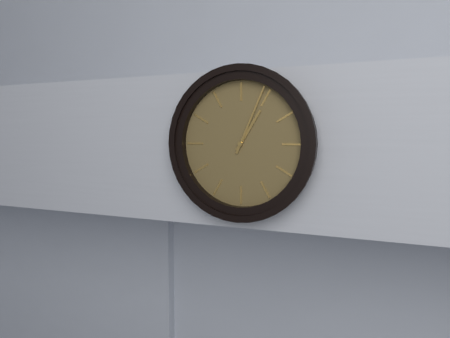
1:04
